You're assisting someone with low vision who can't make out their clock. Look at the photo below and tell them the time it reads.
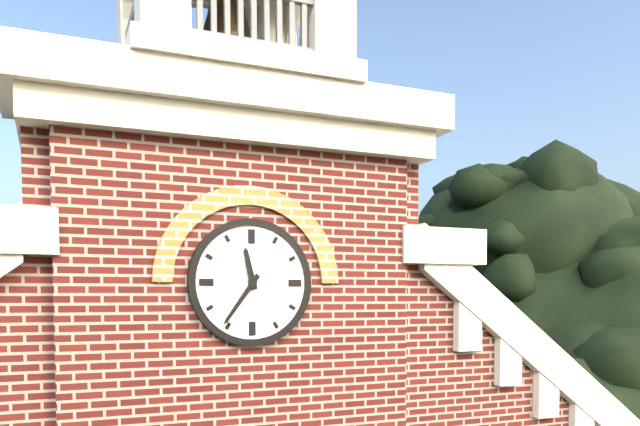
11:36
